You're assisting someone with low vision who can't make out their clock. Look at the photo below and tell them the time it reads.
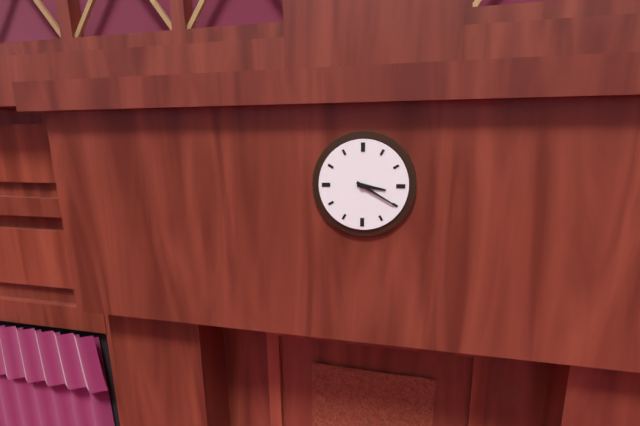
3:20
